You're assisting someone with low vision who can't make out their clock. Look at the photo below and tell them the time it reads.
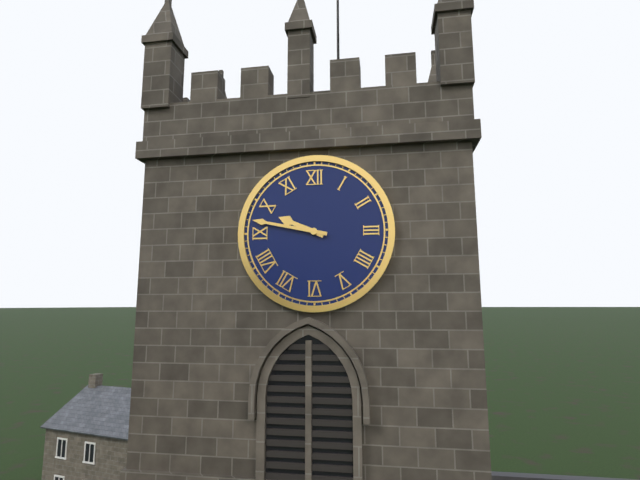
9:47
